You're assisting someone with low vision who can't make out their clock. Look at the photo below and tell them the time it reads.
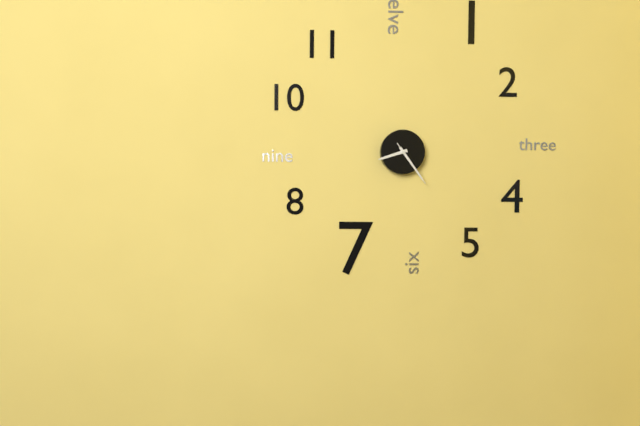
8:24
